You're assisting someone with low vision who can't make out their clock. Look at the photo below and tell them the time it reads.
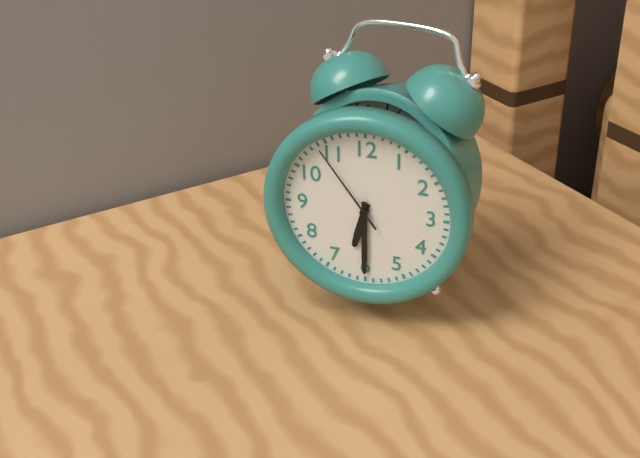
6:30:54
